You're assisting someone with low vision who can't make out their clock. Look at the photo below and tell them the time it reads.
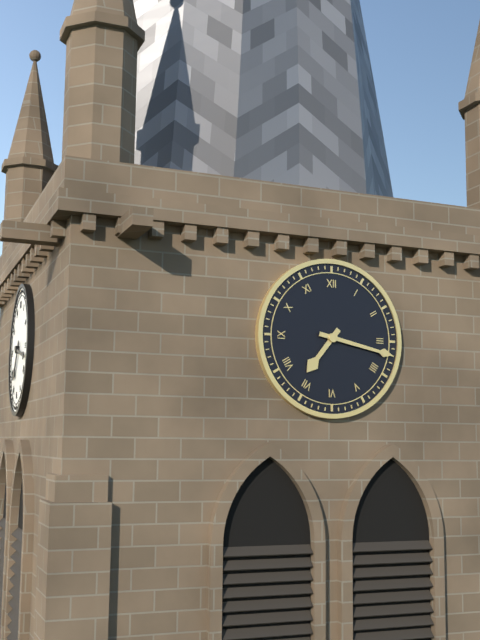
7:17
